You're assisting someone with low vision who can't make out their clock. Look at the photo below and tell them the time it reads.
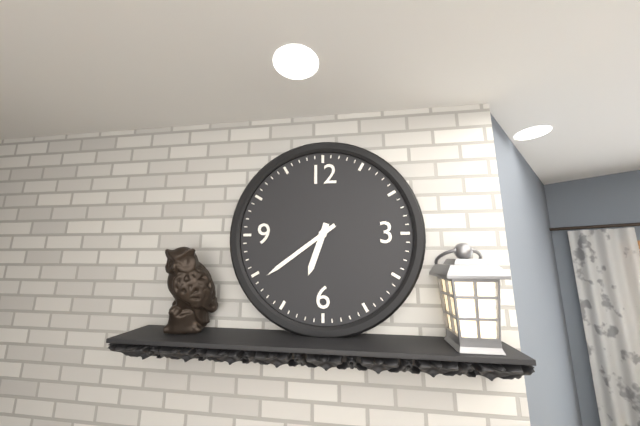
6:39
